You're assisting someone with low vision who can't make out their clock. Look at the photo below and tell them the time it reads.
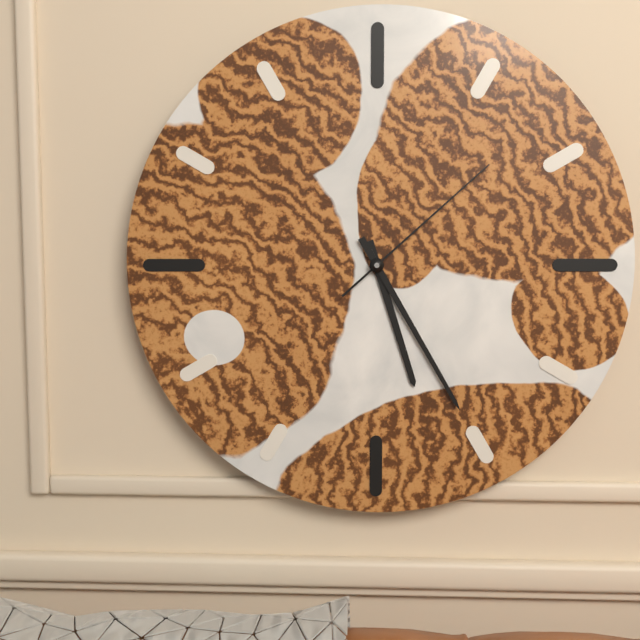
5:25:08
